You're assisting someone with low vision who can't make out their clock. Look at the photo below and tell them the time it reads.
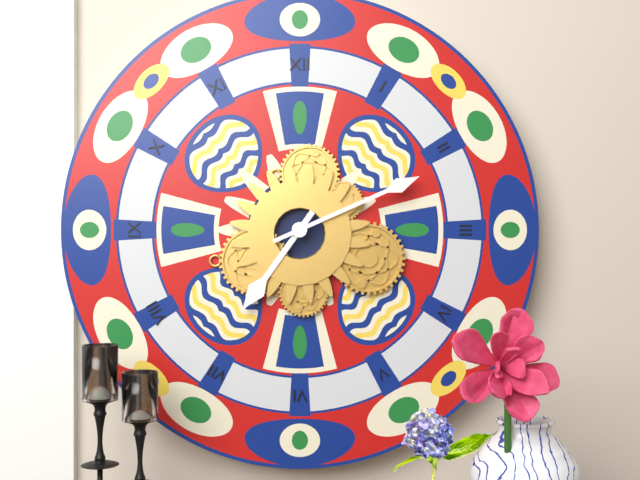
7:11
